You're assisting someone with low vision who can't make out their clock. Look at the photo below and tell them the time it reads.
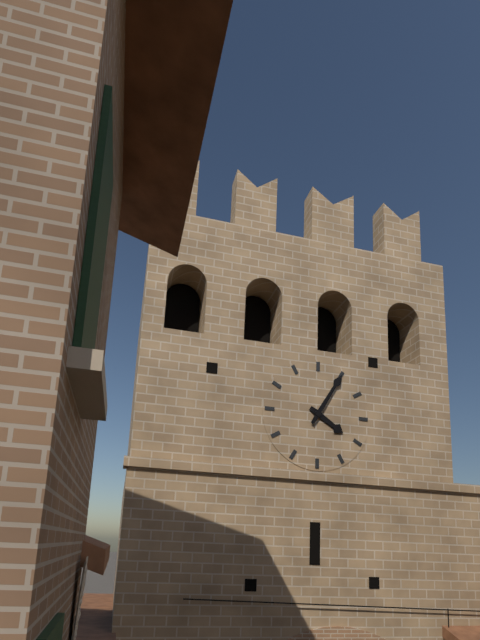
4:05
